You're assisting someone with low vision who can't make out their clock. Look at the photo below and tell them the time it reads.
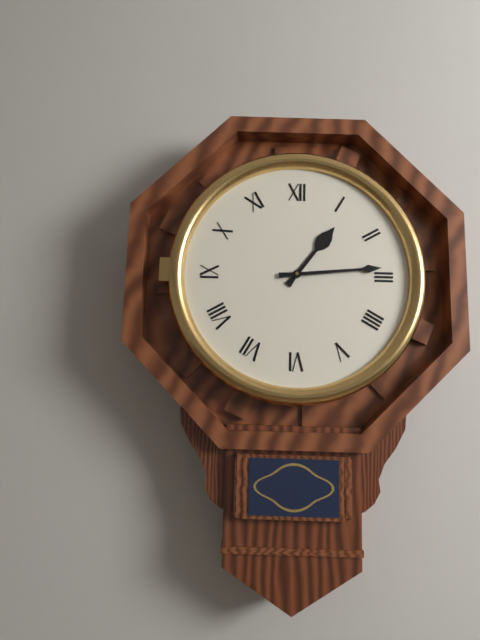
1:14
